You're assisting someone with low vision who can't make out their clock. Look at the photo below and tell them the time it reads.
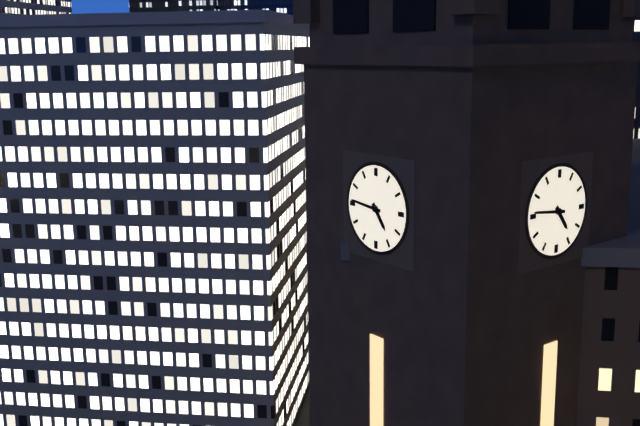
4:46
